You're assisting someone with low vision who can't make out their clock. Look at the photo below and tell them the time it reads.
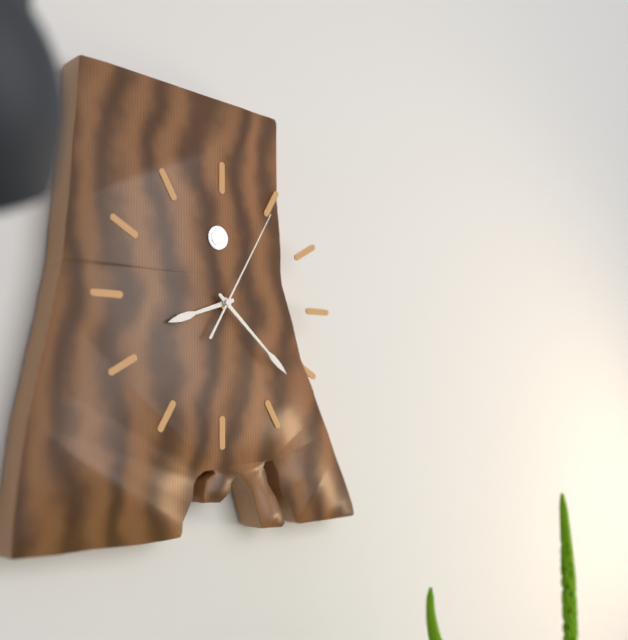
8:22:05
